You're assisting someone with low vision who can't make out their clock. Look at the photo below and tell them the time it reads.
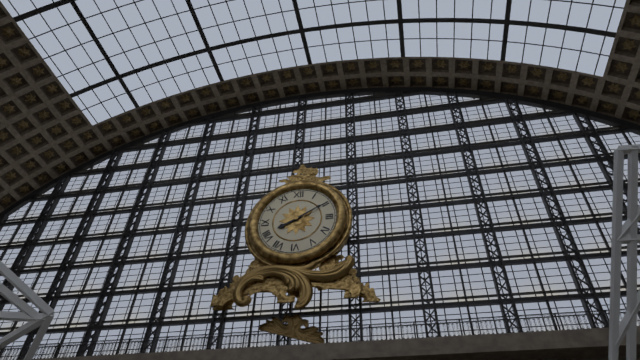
8:10
